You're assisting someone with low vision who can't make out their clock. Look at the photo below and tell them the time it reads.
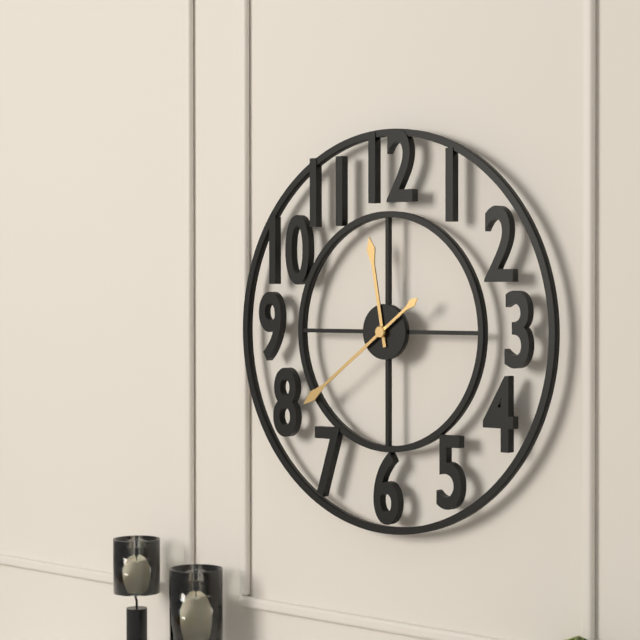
11:39
